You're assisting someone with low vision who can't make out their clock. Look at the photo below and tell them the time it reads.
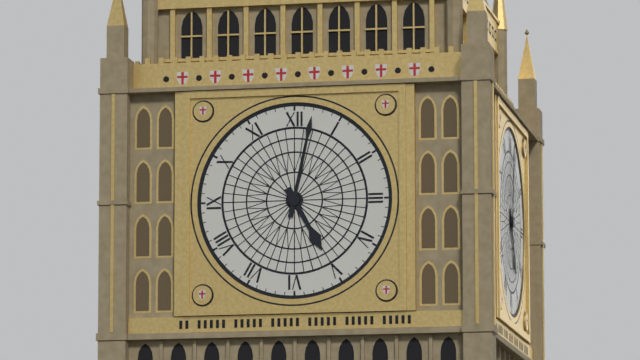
5:02
